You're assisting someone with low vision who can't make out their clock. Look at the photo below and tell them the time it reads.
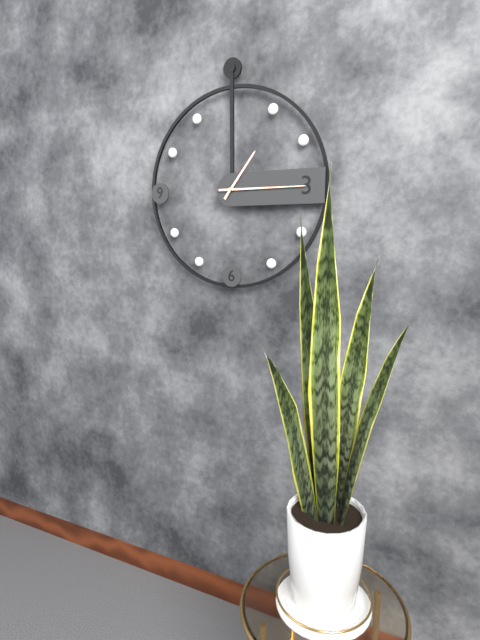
1:15
